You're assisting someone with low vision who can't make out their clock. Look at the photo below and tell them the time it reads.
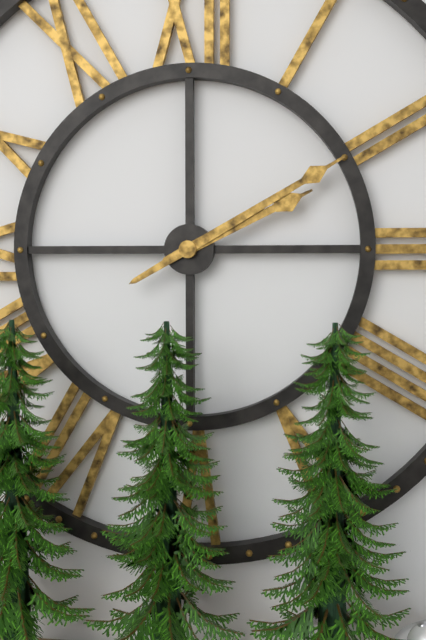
2:10
